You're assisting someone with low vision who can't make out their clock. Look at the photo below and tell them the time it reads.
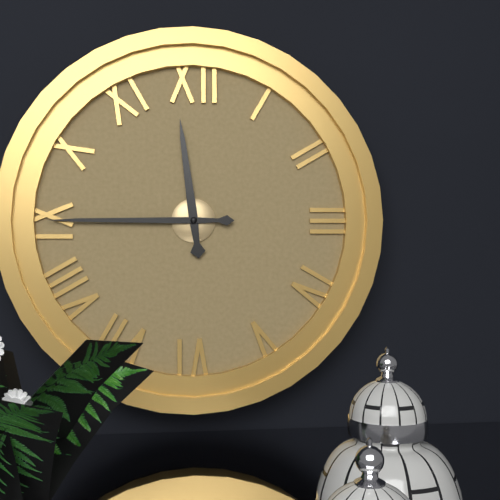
11:45
